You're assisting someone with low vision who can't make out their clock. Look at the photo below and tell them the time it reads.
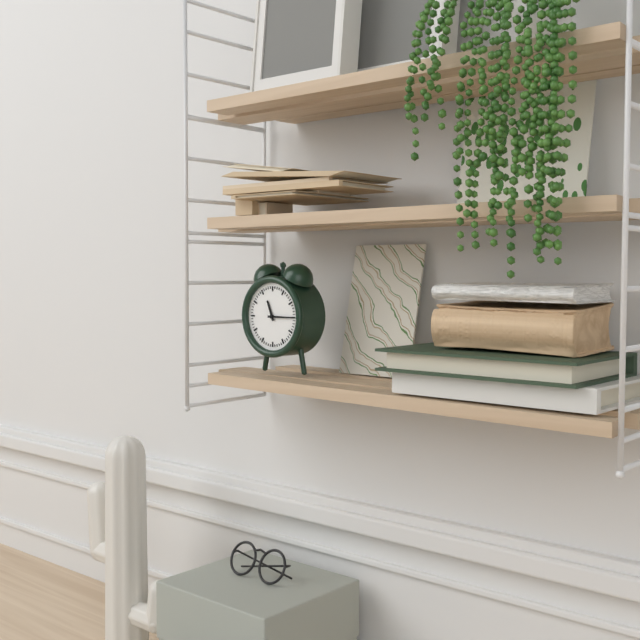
11:15
